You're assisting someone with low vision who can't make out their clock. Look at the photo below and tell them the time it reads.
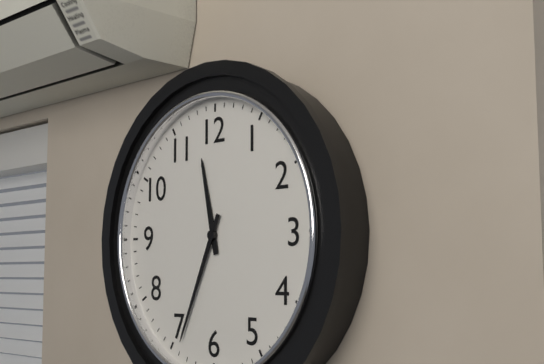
11:34
